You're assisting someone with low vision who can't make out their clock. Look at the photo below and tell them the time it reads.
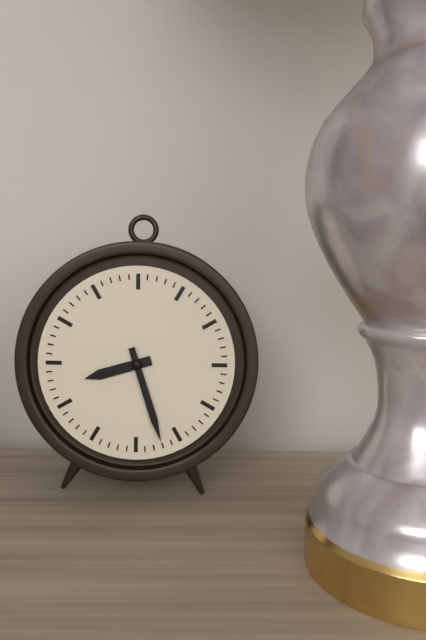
8:27
